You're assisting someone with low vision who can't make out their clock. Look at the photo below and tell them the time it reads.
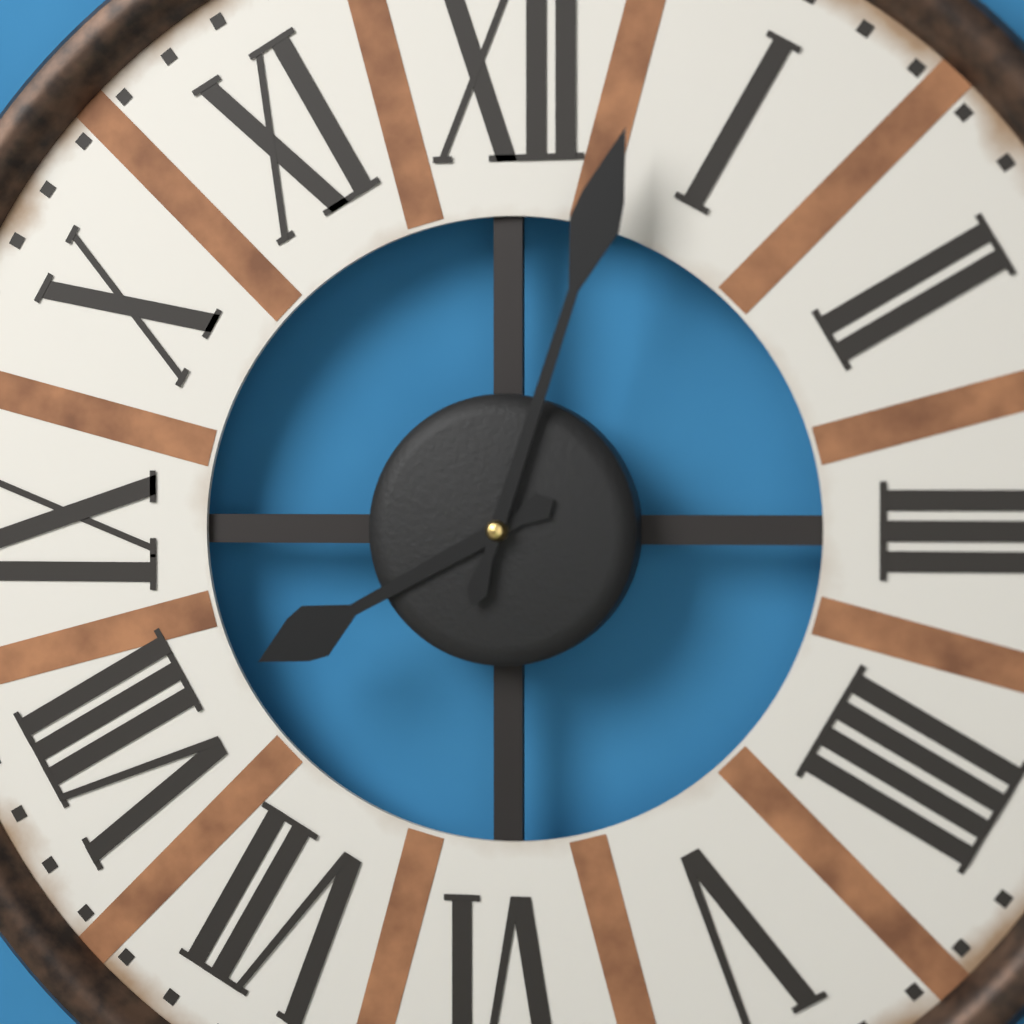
8:03
